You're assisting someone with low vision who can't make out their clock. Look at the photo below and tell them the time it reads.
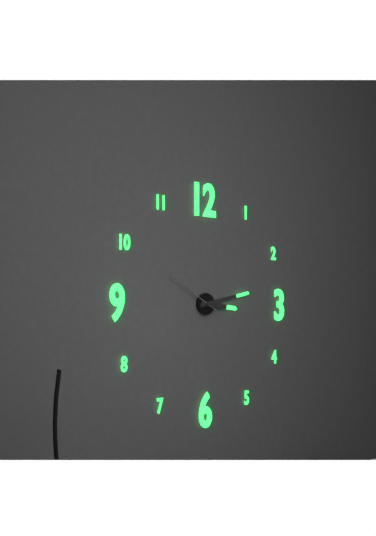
3:13:50
